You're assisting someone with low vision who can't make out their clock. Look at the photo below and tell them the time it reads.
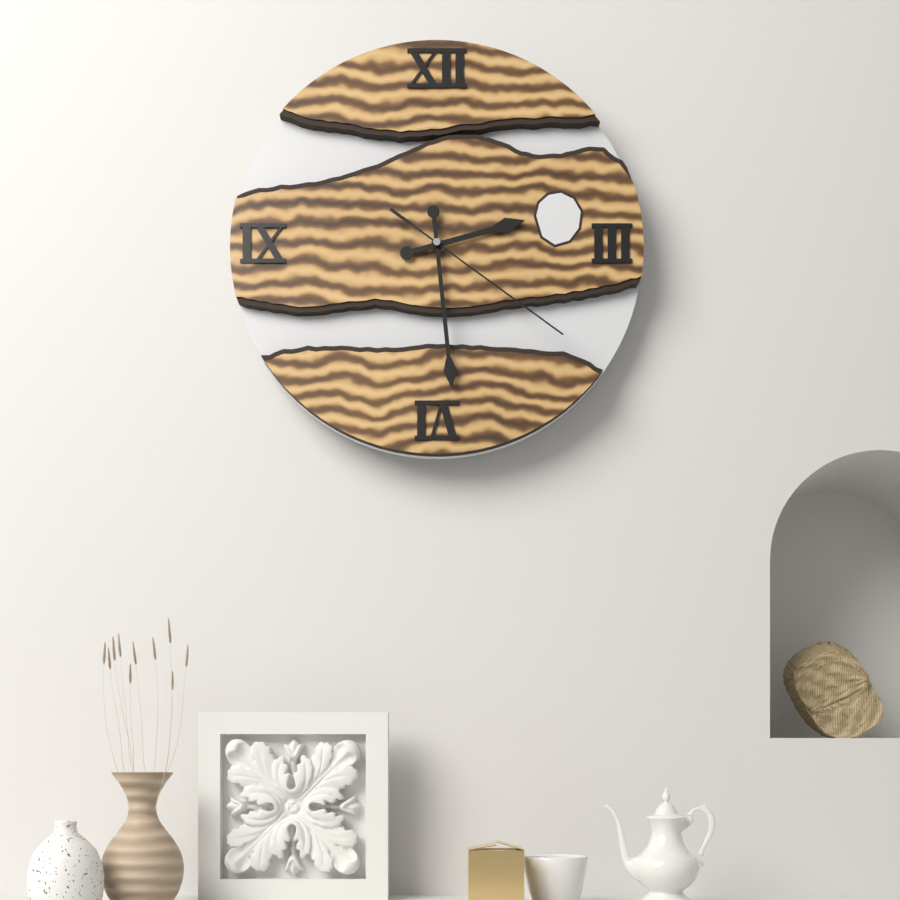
2:29:21
